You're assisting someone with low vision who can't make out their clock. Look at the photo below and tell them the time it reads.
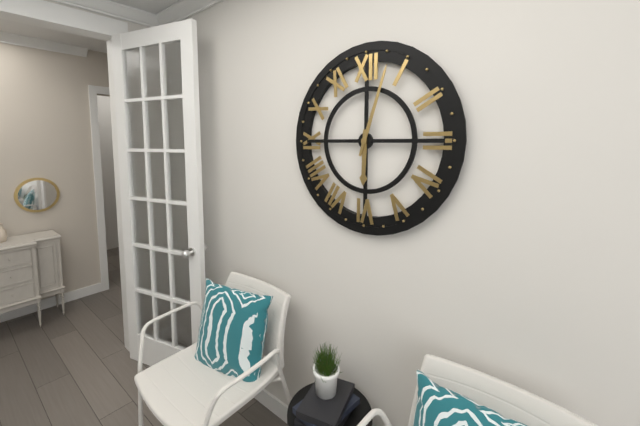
6:03
